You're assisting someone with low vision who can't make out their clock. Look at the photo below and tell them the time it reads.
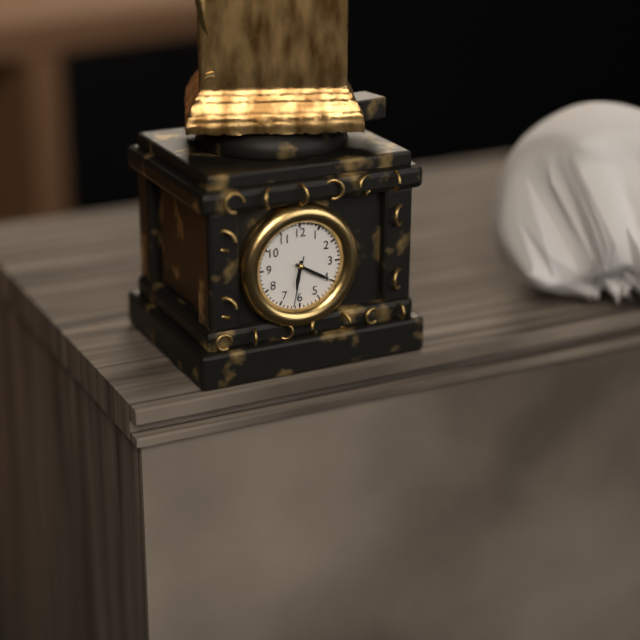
6:20:32
